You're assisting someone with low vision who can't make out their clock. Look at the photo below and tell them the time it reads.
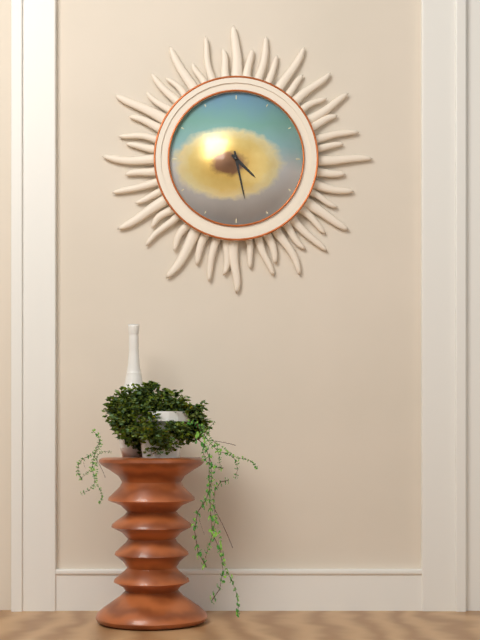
4:28
